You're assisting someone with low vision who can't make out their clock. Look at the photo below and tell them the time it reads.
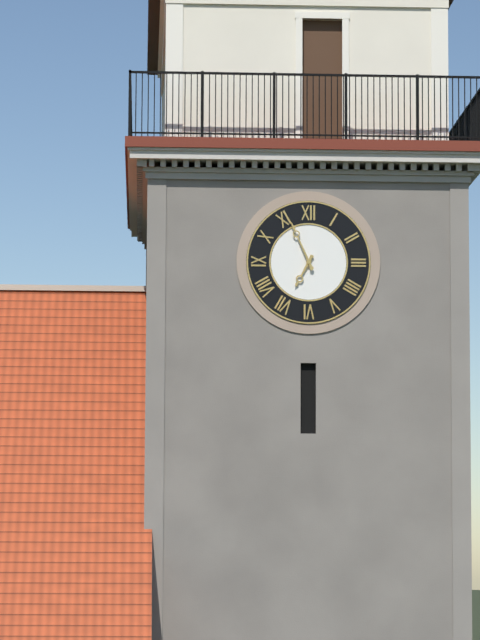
6:56
